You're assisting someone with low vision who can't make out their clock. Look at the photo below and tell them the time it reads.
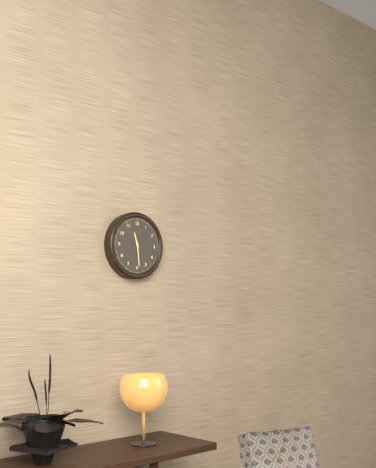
11:29
